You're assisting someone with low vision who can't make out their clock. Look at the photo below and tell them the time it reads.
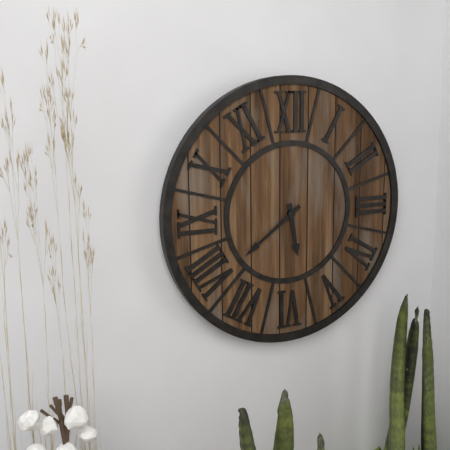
5:39
